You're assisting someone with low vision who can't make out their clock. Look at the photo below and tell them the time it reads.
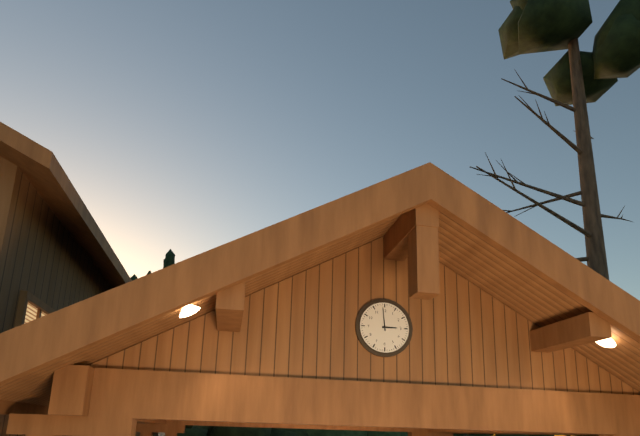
2:59
